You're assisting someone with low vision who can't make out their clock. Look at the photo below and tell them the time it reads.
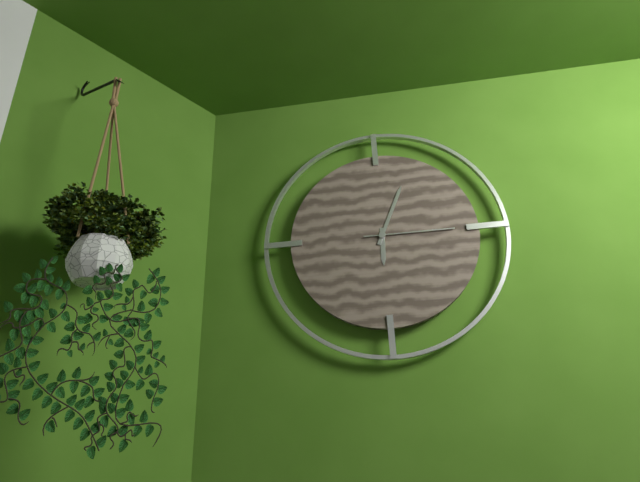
6:04:15
